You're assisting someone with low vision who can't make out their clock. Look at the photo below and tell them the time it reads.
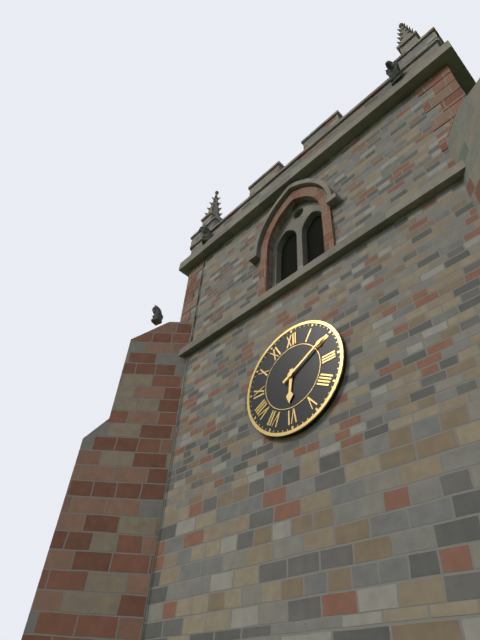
6:10
